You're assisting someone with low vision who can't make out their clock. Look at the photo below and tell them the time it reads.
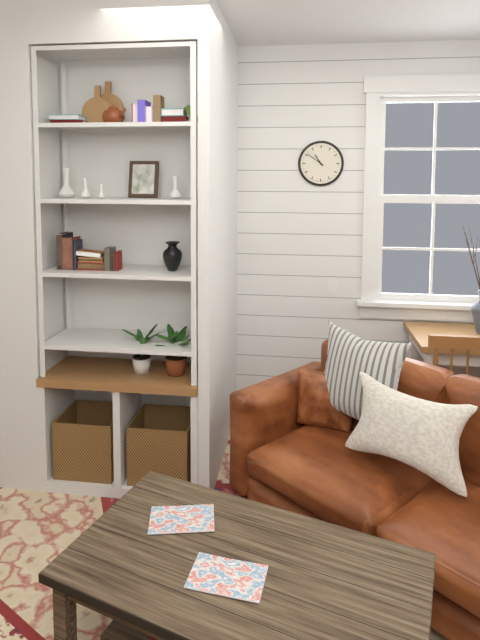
10:51
